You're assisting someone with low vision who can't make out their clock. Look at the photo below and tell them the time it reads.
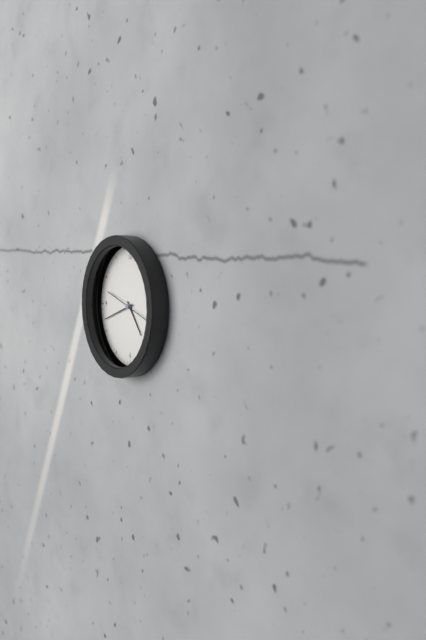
4:42
